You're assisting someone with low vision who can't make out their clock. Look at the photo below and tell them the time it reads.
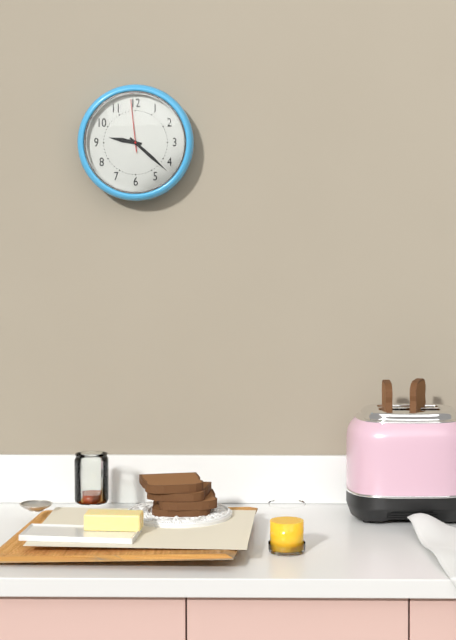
9:22:59
